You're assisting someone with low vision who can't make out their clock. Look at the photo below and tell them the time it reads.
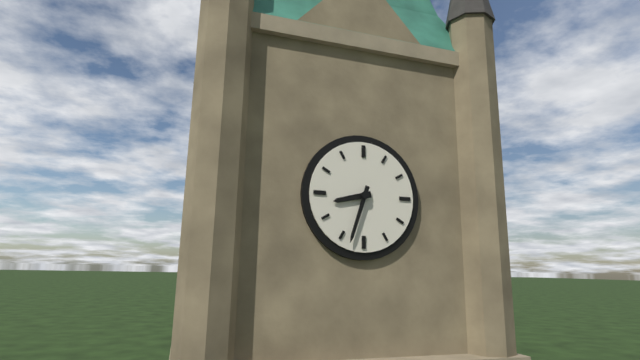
8:33
